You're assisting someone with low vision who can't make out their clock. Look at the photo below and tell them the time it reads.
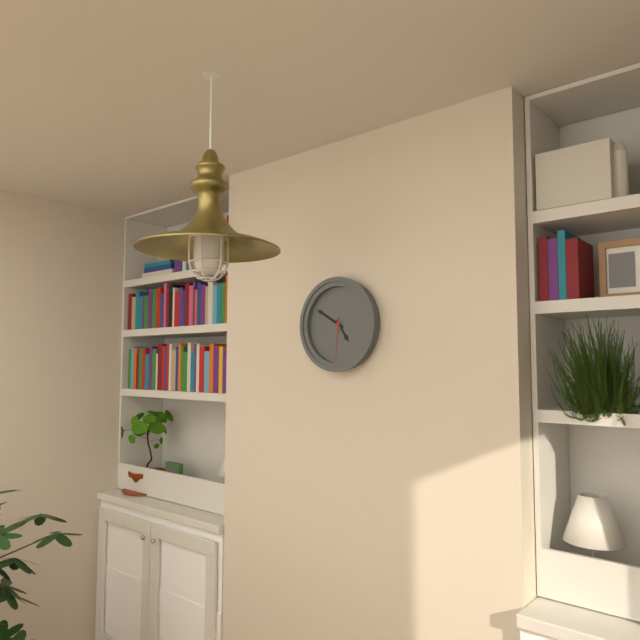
4:50
